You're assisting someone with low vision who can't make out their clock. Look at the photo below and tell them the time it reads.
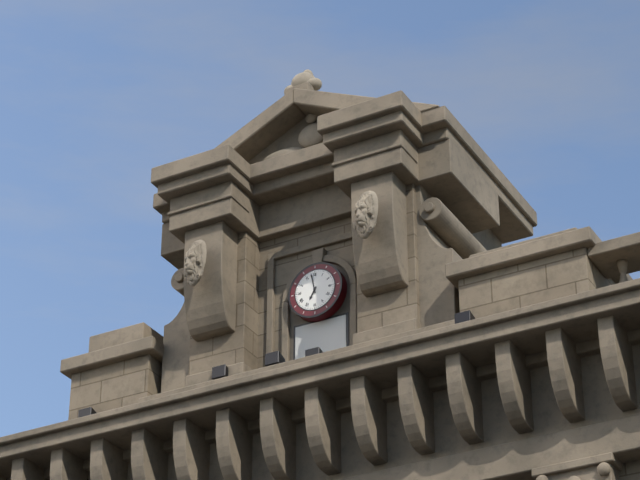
6:58
